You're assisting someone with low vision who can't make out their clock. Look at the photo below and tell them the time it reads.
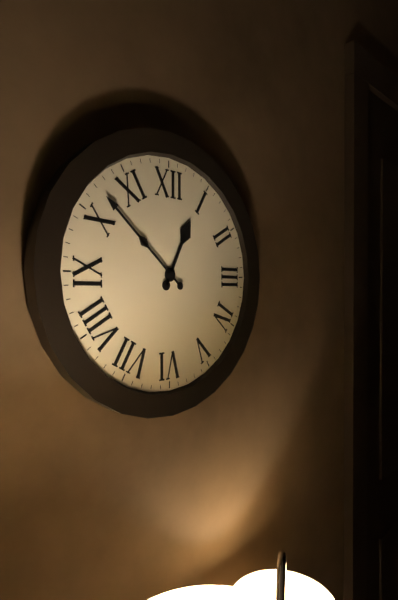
12:52
